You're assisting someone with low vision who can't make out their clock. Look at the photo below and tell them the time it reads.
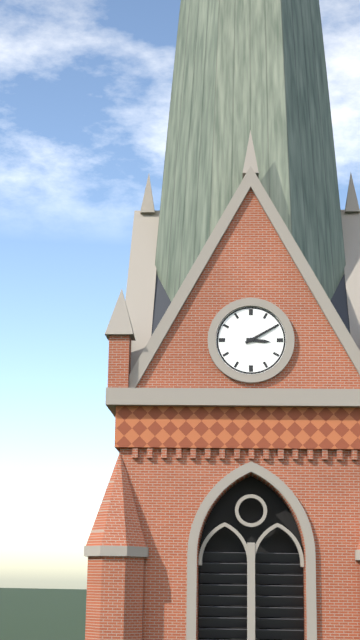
3:10
